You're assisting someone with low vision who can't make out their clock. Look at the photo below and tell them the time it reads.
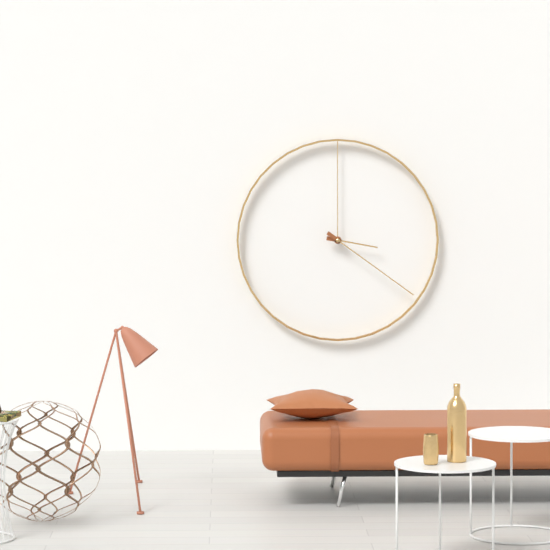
3:21
